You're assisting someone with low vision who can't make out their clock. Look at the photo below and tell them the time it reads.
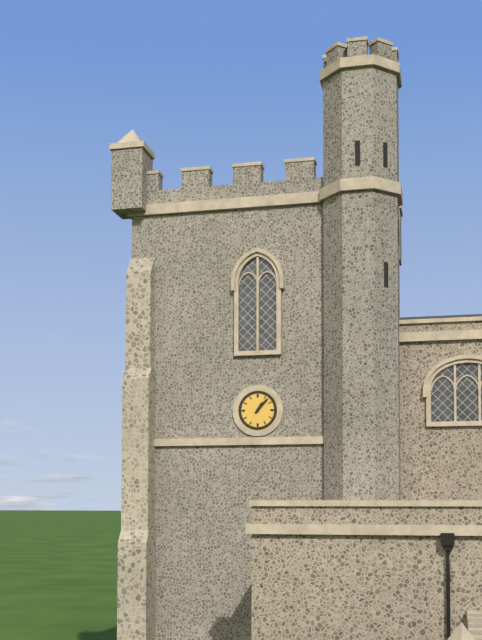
1:07
